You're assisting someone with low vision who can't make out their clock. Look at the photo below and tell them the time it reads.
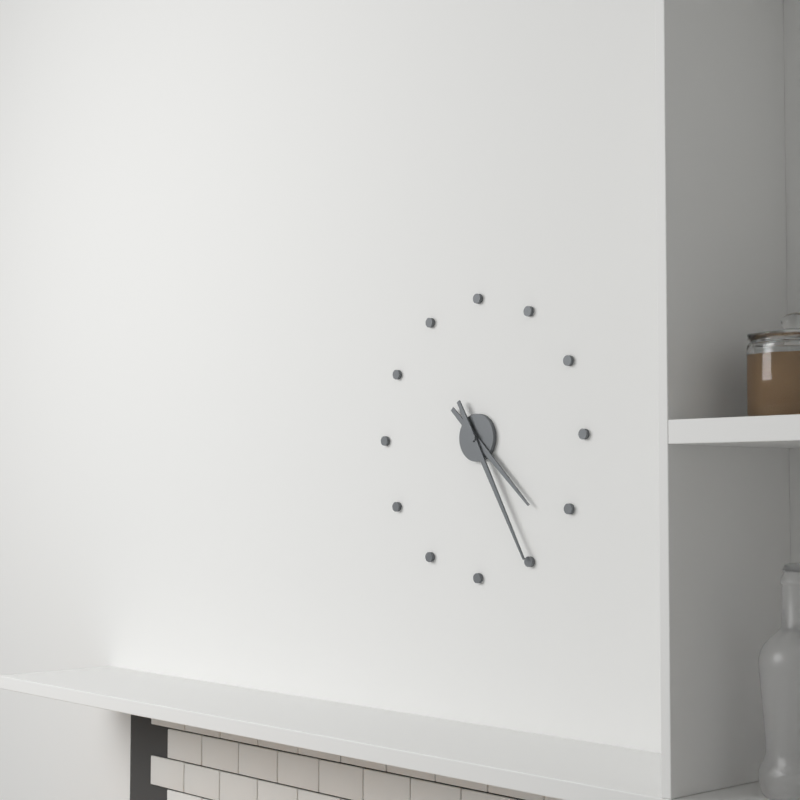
4:25
